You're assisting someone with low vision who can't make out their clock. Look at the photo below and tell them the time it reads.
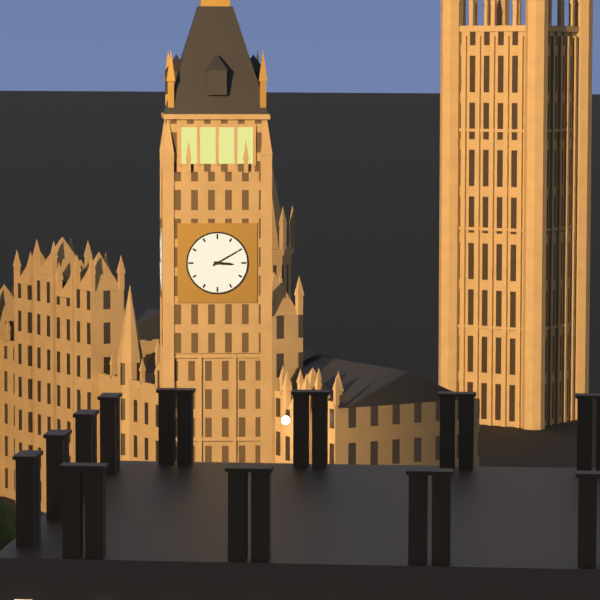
3:10
